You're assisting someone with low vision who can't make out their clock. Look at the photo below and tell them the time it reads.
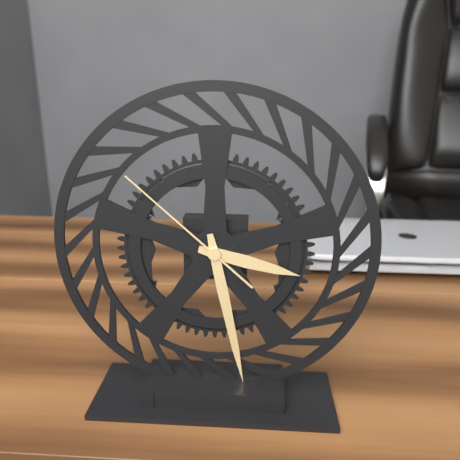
3:28:52
